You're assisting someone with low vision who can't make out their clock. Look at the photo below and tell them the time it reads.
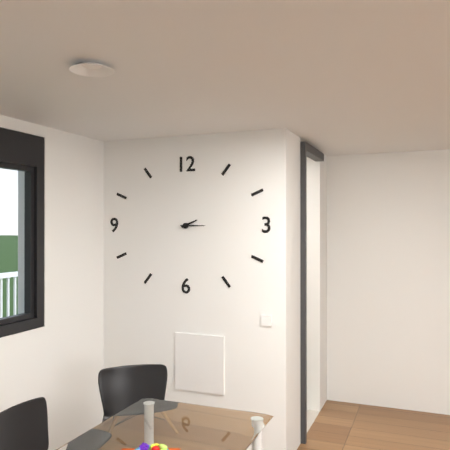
2:15
